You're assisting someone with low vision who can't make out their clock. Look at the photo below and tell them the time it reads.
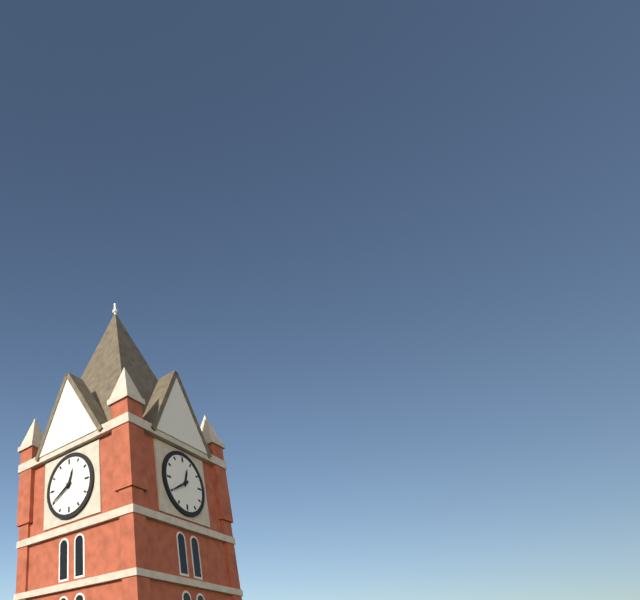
12:40
